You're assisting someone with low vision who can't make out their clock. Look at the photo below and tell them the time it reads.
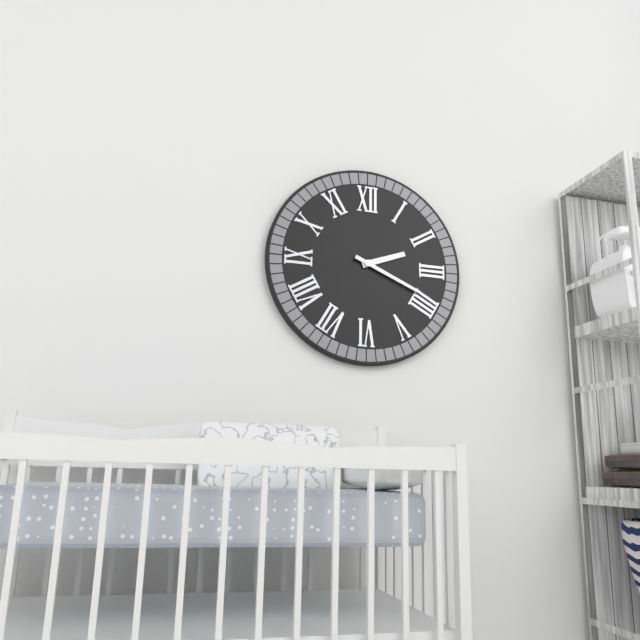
2:19
